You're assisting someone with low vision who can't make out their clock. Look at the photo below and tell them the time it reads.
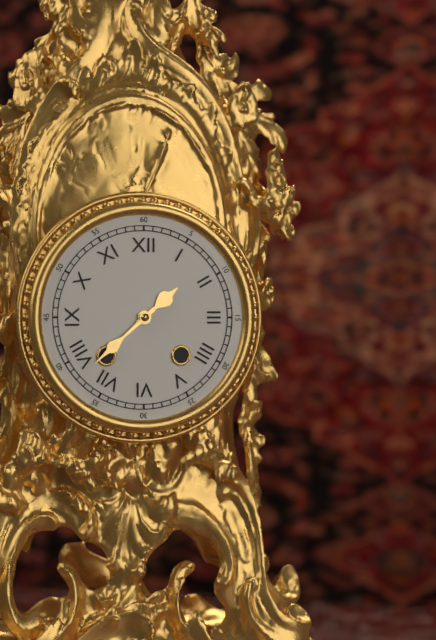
1:38
